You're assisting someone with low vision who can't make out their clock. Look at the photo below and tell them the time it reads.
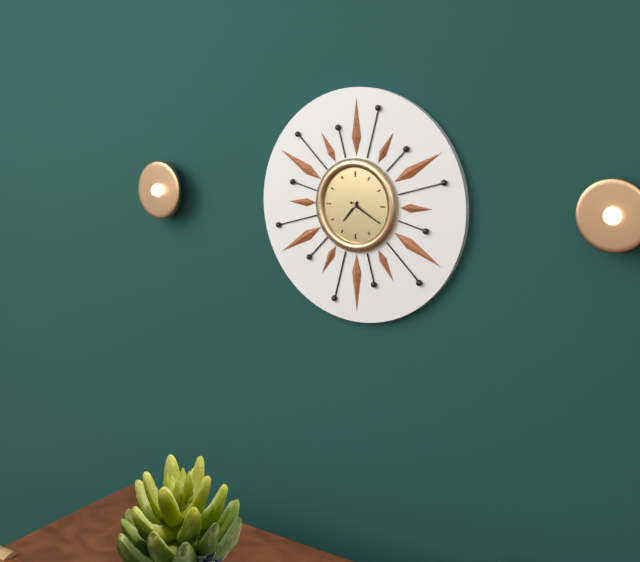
7:20
